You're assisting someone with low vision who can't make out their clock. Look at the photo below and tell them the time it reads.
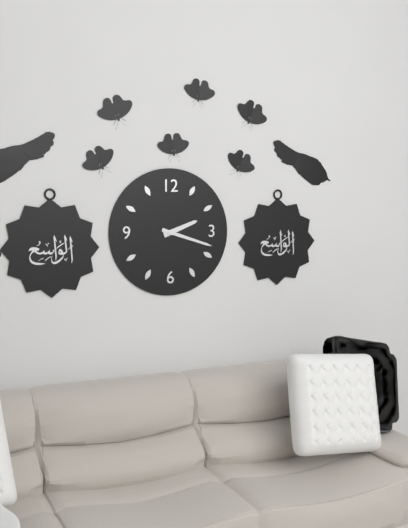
2:18
